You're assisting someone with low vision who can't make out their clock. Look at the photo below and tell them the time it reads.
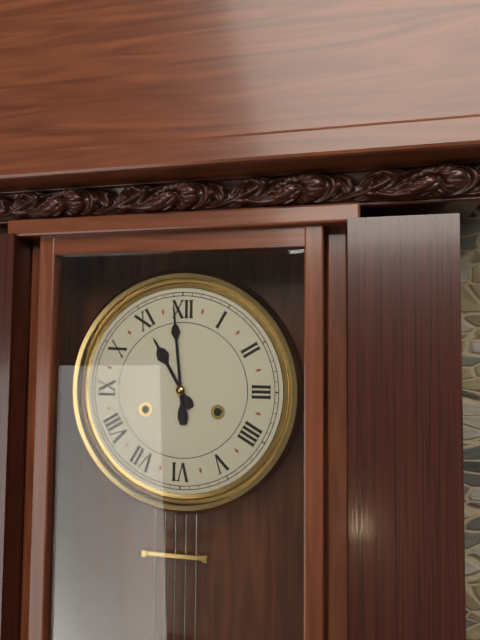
10:59
